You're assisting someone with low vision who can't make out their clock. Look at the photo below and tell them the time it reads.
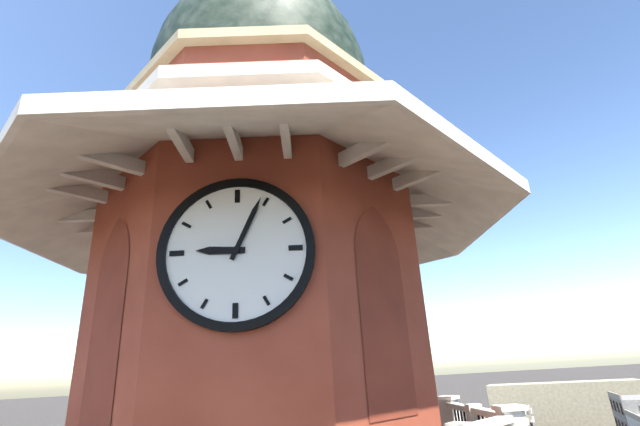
9:04
